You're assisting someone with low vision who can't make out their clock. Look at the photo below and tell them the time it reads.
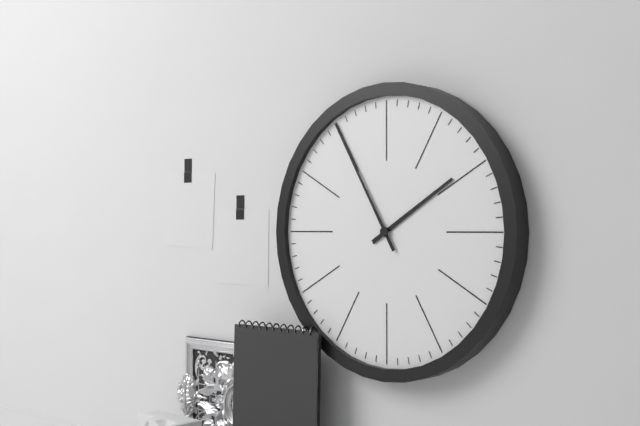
1:55
